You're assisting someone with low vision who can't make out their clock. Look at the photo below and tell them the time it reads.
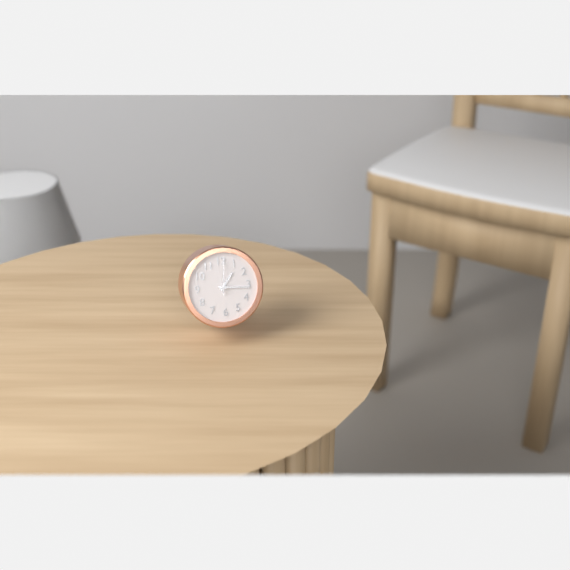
1:16
